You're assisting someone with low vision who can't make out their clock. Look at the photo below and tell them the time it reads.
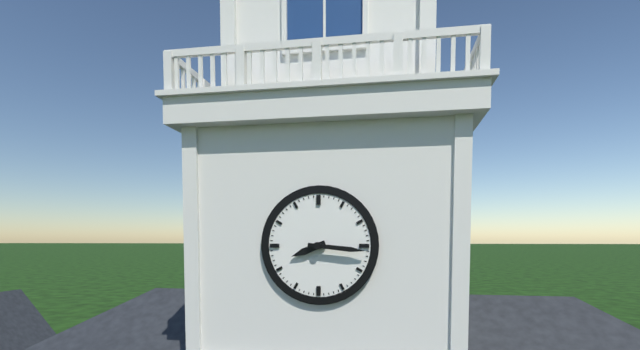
8:16
